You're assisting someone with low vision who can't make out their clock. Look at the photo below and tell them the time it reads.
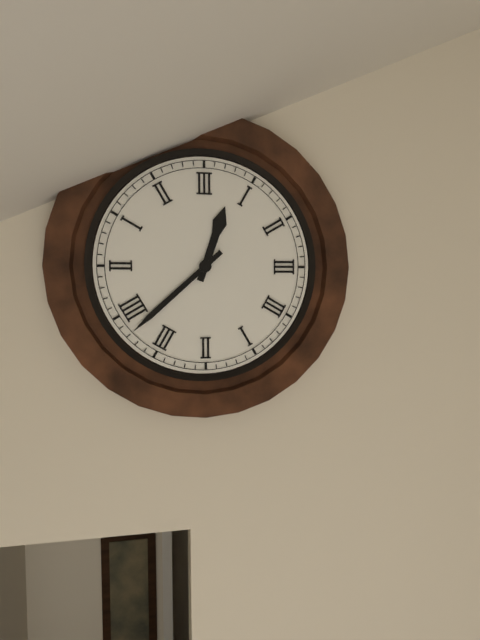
12:38
